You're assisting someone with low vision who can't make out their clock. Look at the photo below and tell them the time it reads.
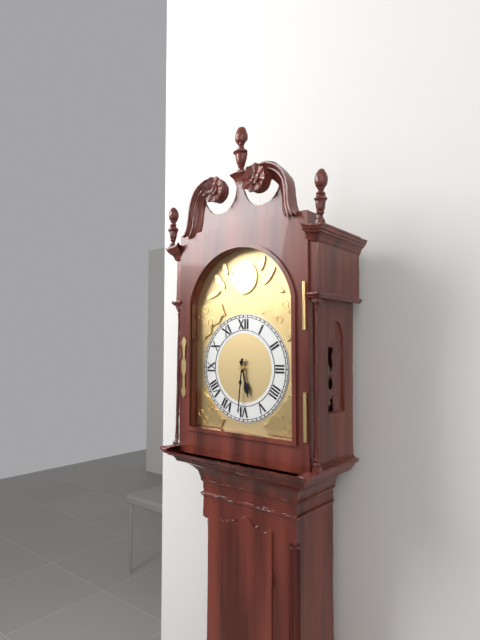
5:31
